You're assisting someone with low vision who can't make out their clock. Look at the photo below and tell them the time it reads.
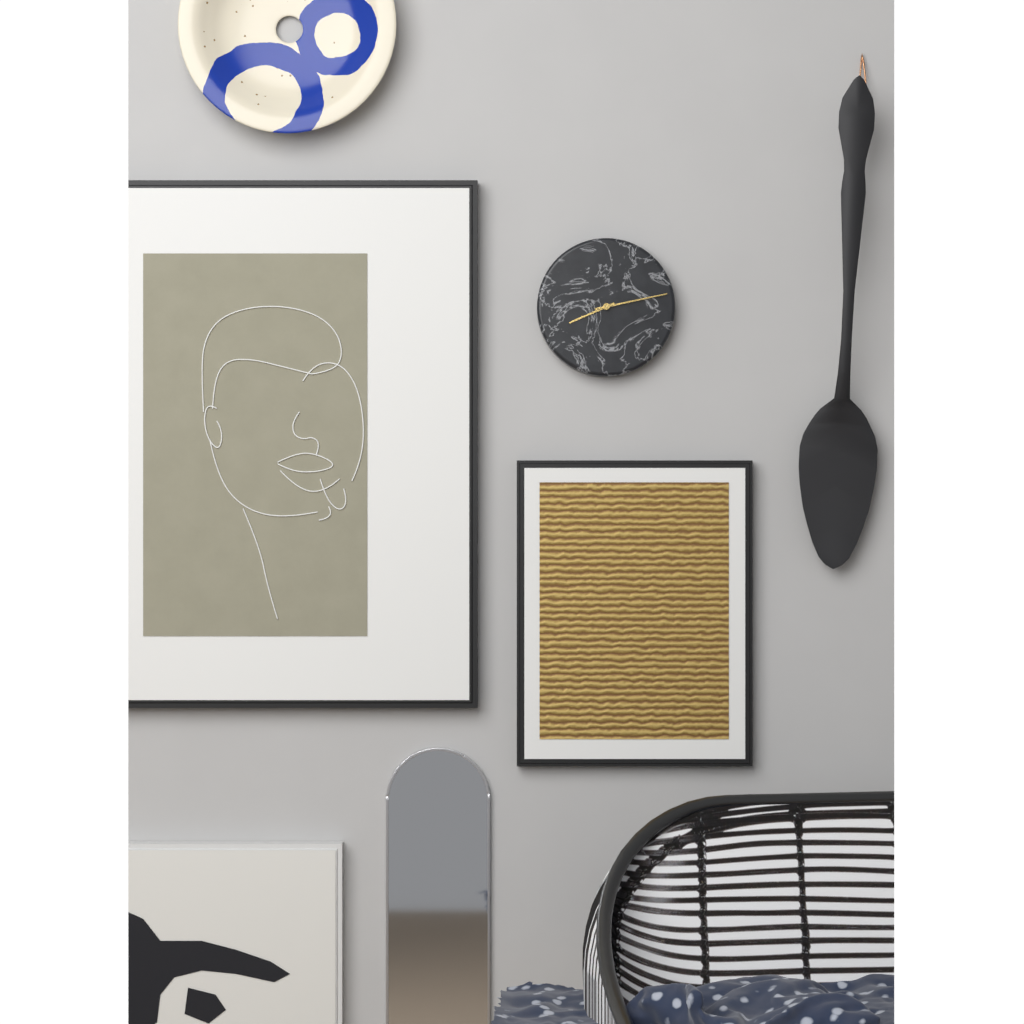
8:13
